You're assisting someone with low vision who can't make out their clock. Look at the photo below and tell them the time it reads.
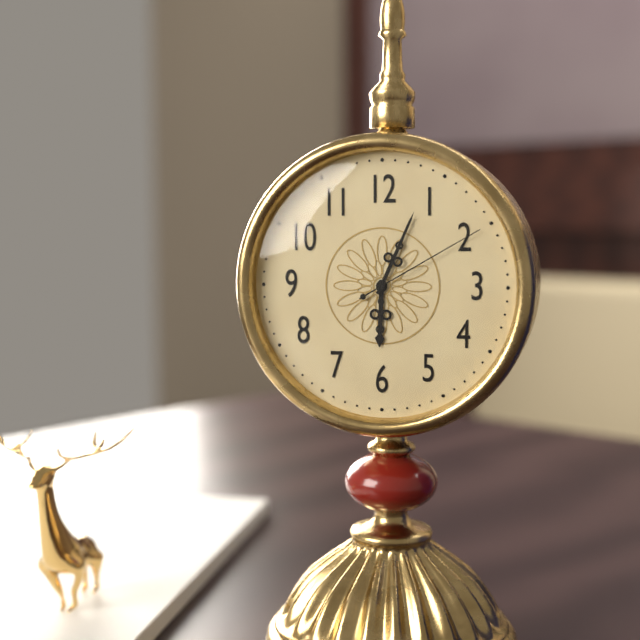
6:04:10
